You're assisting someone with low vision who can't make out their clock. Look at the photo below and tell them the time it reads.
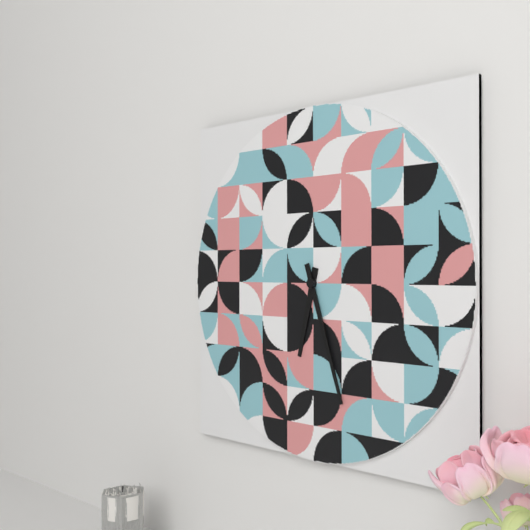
6:27
